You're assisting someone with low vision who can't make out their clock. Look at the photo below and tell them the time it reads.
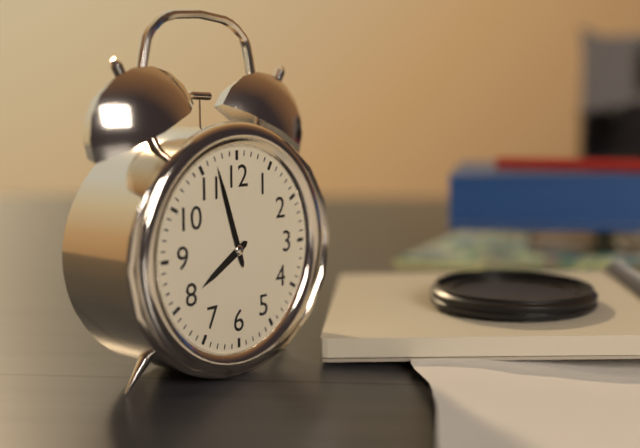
7:57
